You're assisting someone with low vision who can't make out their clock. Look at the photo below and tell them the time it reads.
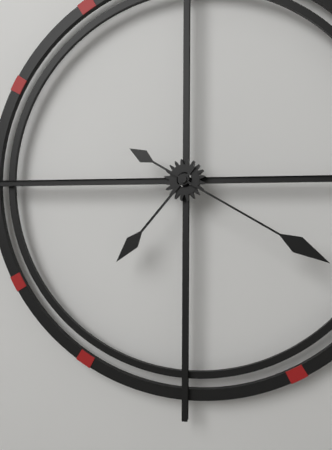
7:20
